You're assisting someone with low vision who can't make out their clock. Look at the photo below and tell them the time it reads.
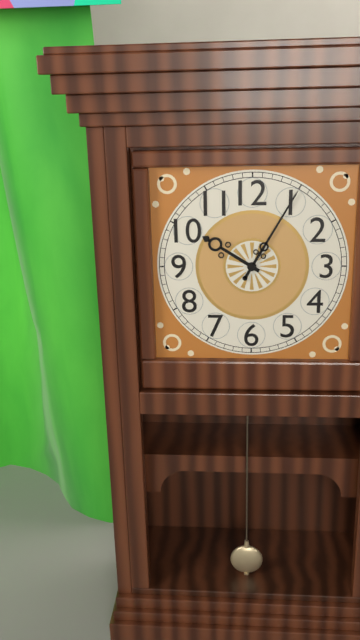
10:05
